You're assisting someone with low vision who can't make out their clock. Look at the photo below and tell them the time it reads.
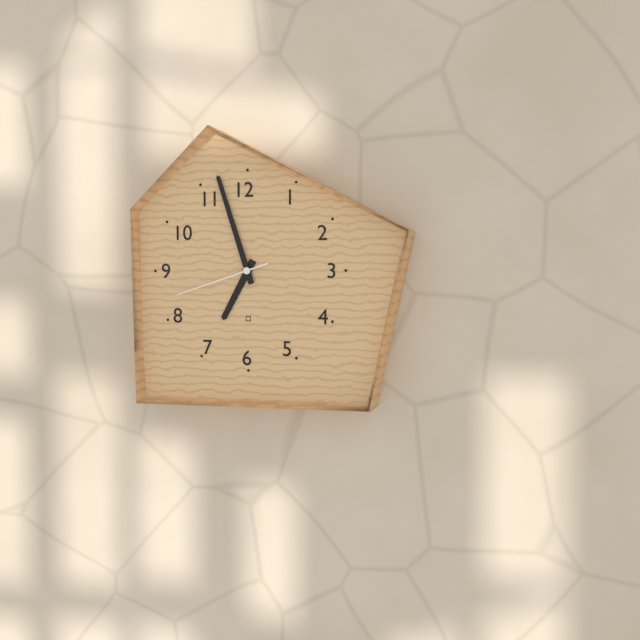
6:57:42
